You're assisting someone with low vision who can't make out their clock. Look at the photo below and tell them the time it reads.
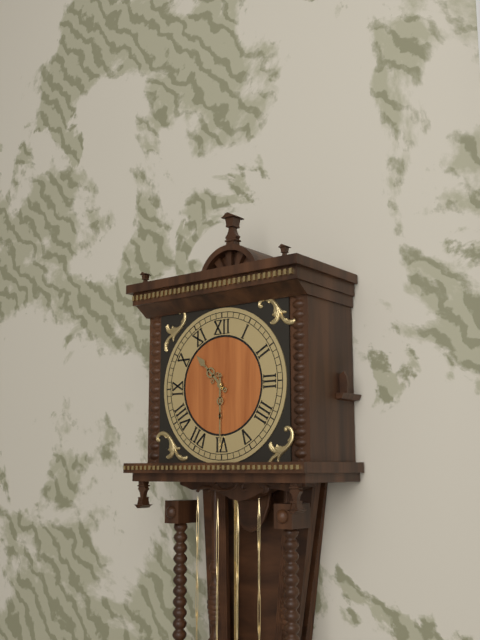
10:30
